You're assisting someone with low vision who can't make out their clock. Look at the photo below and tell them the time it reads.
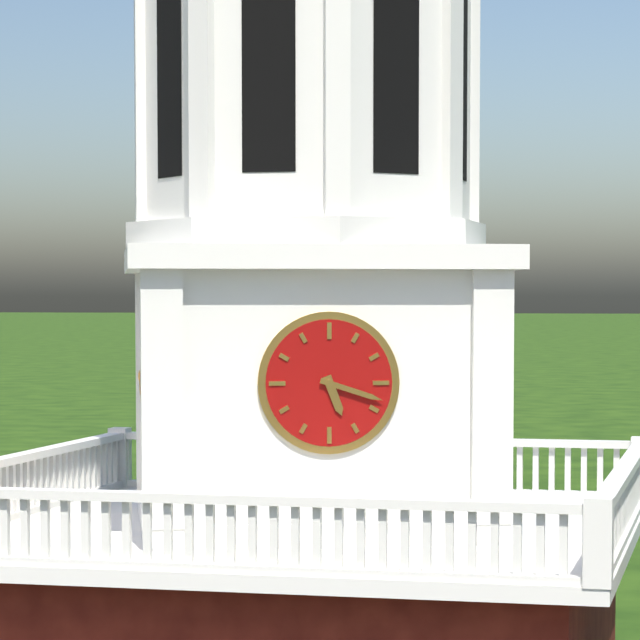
5:18
